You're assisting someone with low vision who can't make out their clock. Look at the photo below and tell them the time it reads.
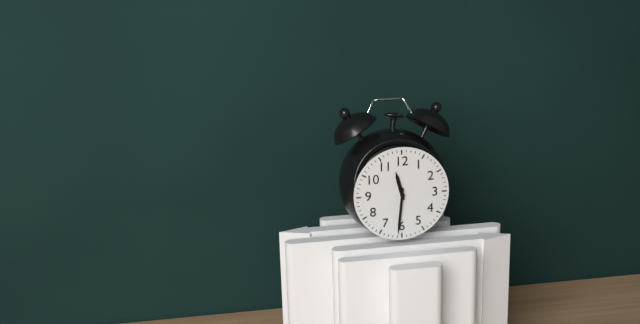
11:31
